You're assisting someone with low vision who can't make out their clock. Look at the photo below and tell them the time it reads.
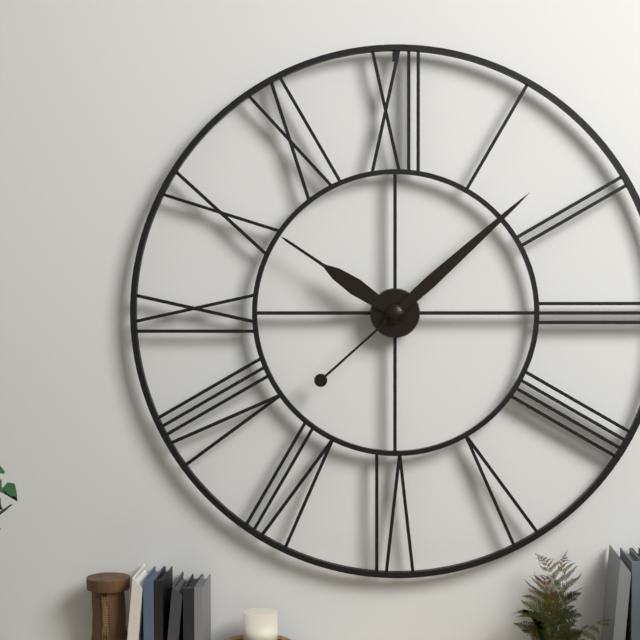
10:08
